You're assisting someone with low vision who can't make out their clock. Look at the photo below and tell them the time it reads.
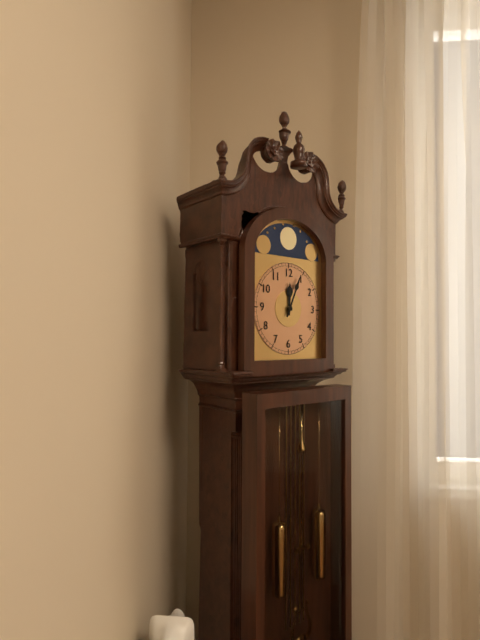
12:04
